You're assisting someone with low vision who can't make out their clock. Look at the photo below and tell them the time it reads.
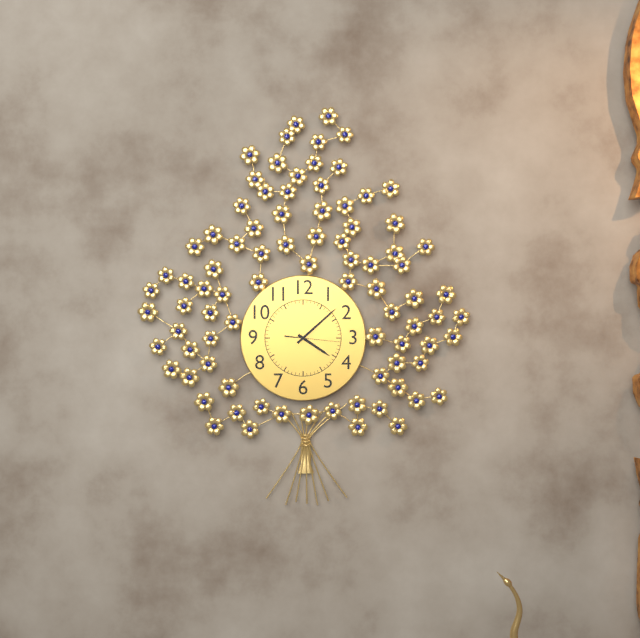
4:08
